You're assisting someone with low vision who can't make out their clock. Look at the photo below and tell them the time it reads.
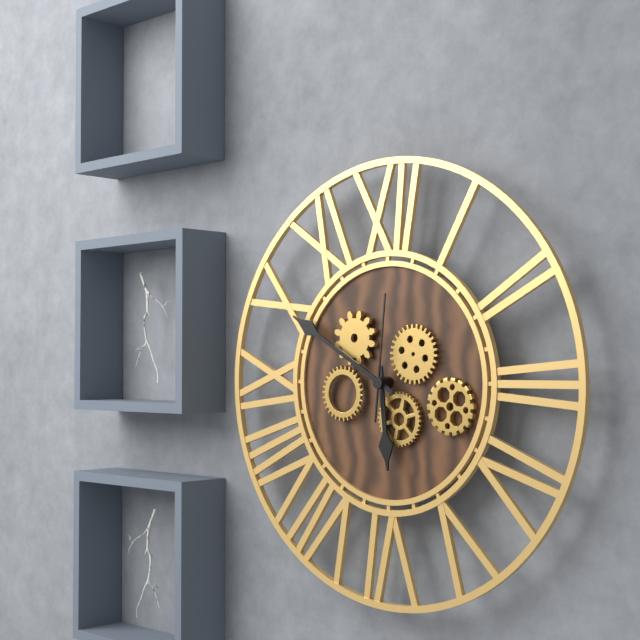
5:50:01
